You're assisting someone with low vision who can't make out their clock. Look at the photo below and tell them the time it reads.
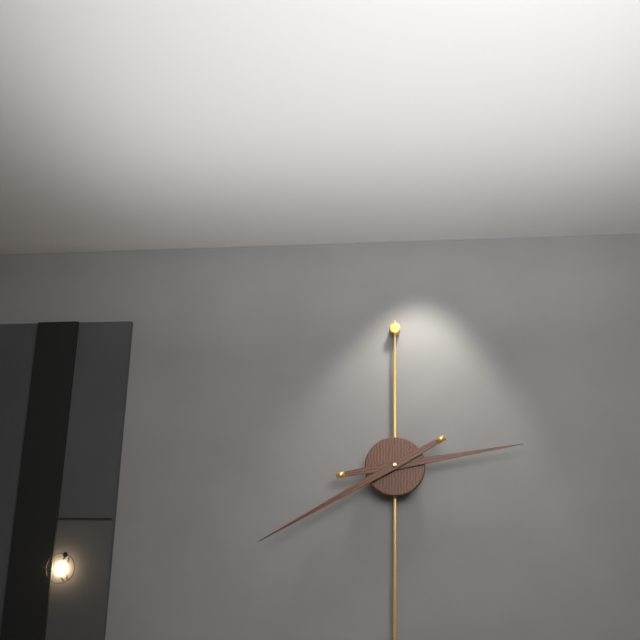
2:40
